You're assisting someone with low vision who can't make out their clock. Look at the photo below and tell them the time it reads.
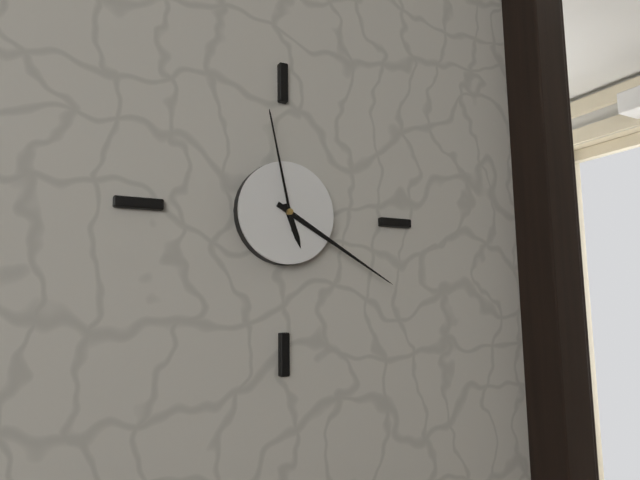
5:20:58
